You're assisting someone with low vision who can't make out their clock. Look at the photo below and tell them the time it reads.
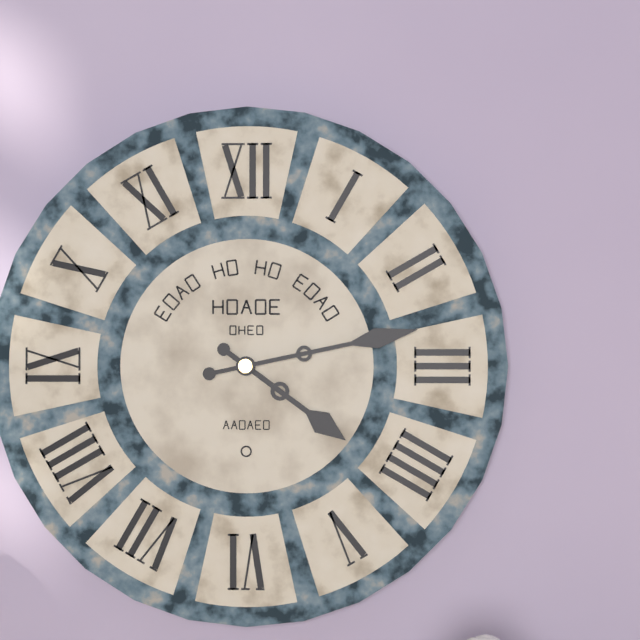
4:13
